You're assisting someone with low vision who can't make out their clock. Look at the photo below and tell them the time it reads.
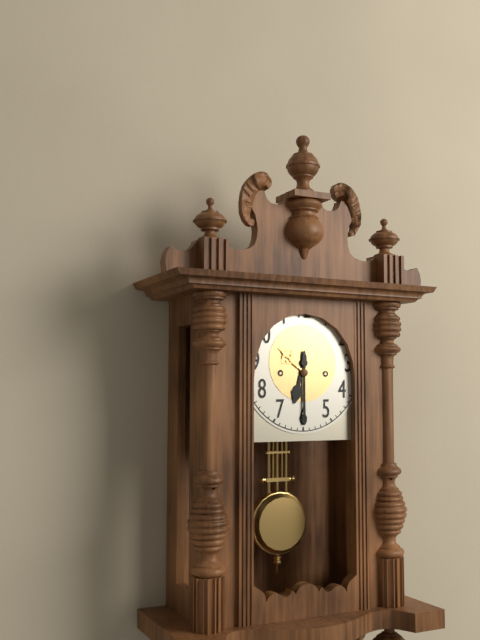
6:30
